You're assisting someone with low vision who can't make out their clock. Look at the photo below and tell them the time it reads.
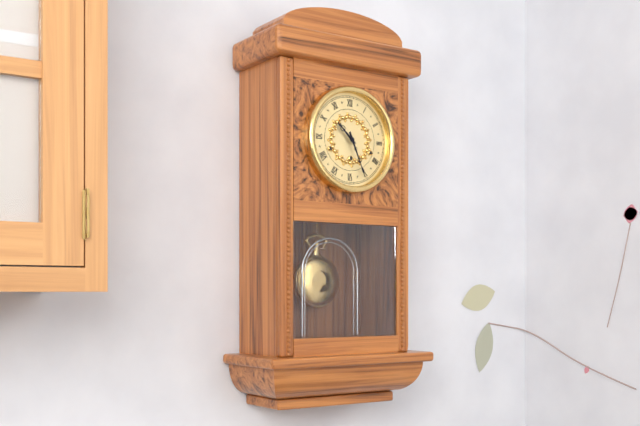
10:26
